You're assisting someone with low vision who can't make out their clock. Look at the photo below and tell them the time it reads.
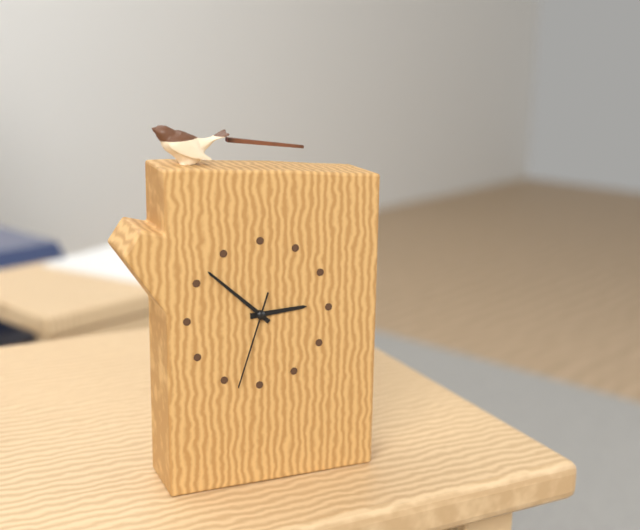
2:52:33
